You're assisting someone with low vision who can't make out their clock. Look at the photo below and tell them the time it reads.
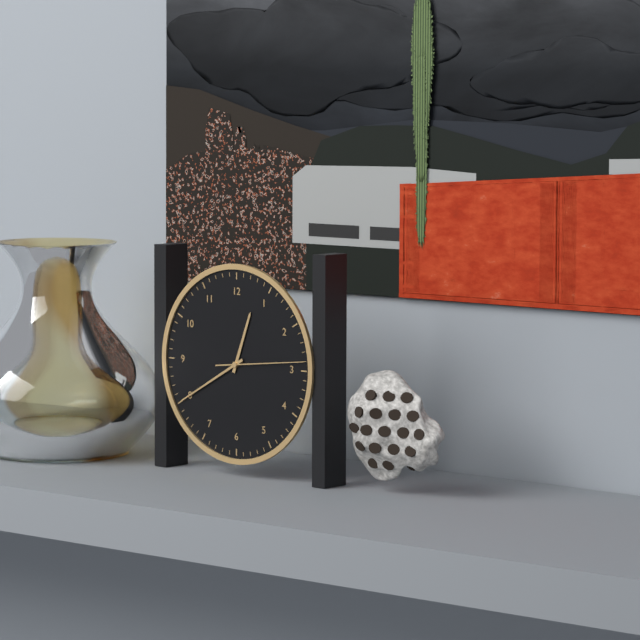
12:40:14
